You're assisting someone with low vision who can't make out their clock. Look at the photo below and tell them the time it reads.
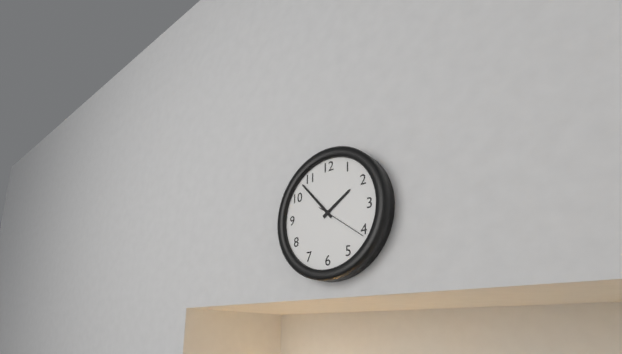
1:53:21
